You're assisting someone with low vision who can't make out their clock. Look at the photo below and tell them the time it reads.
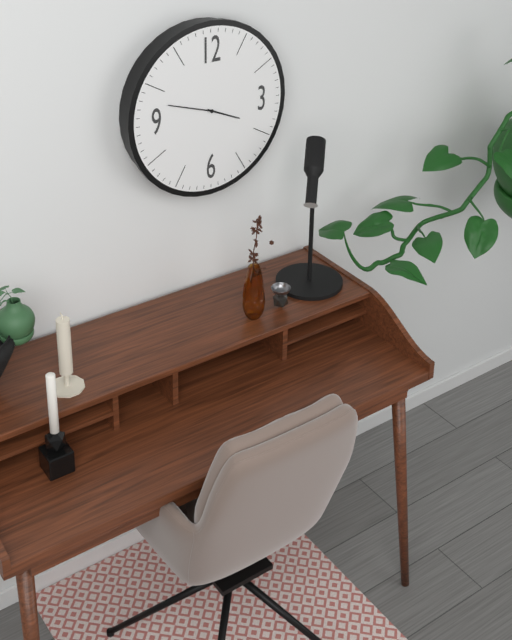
3:48
